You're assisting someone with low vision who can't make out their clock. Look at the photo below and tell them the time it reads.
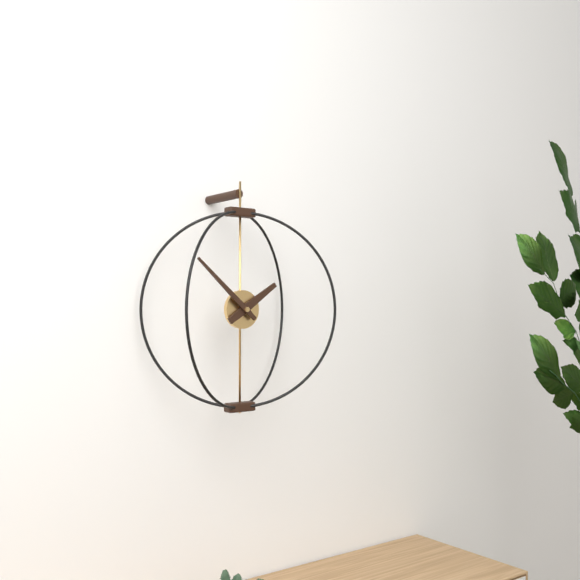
1:52
